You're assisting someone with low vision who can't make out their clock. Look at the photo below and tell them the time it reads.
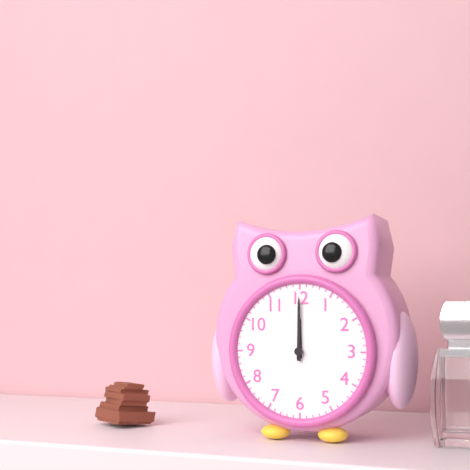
12:00
